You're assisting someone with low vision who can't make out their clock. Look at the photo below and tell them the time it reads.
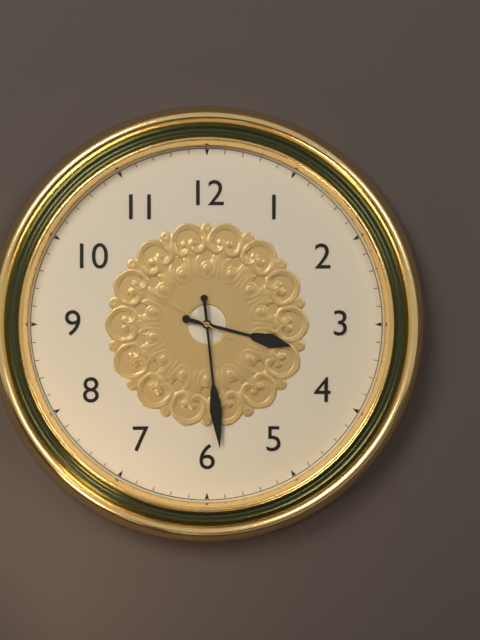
3:29:50
